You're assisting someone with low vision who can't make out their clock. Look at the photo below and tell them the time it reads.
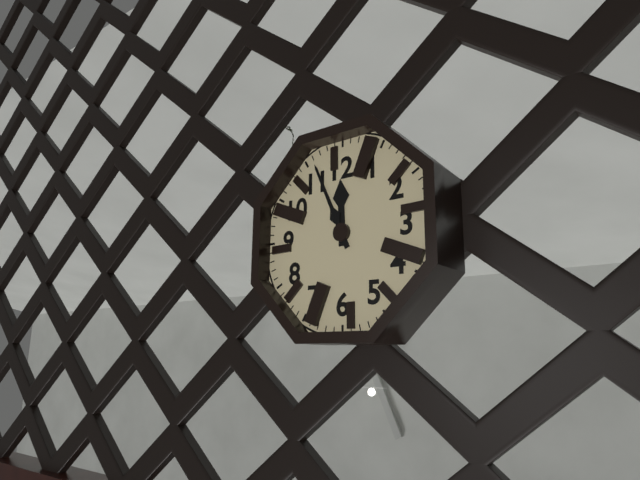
11:56
